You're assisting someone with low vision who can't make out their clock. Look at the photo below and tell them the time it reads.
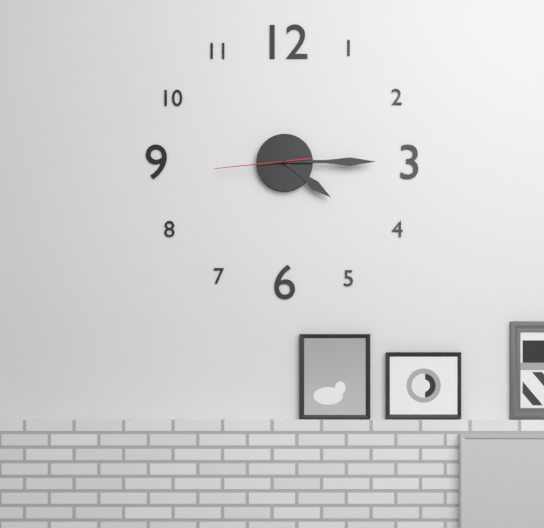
4:15:44
